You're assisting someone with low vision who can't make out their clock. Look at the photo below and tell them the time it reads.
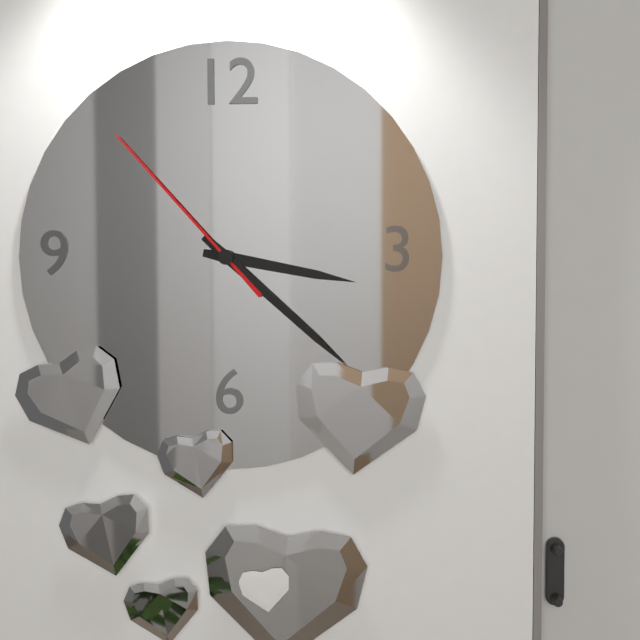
3:22:53
